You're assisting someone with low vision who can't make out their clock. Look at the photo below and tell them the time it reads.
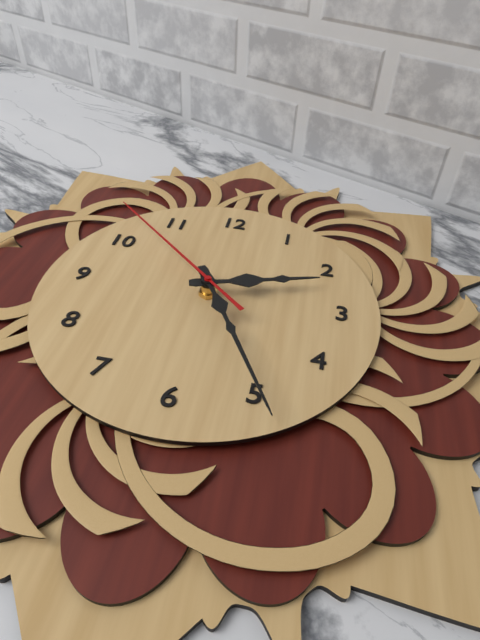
2:25:52
